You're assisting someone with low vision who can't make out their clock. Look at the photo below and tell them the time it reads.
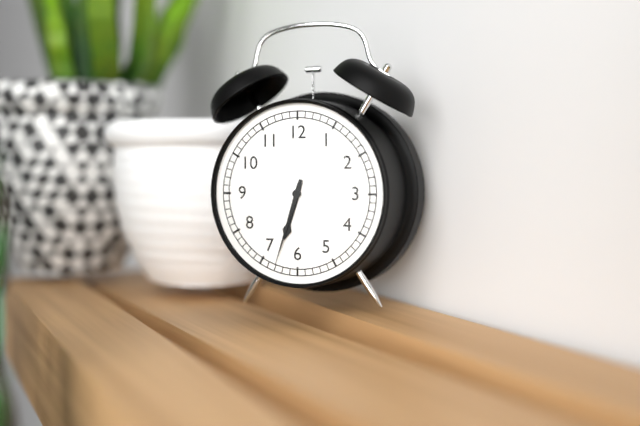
6:33
